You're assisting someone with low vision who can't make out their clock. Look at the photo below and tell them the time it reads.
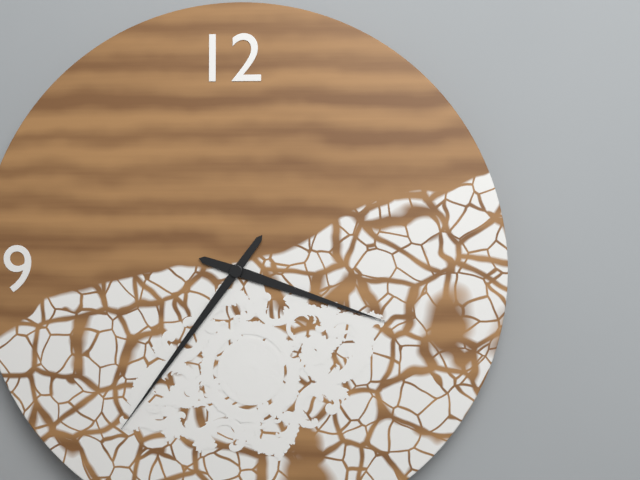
3:36
